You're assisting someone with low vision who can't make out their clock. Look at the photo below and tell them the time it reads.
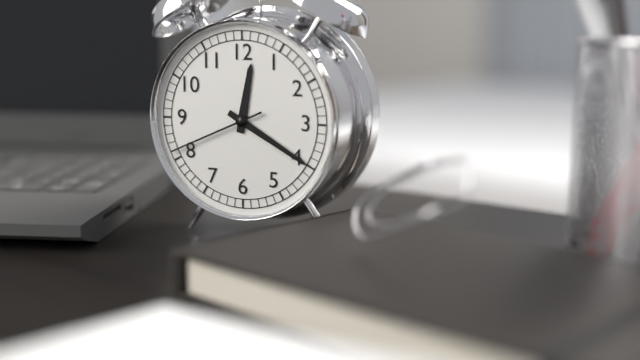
12:20:41
